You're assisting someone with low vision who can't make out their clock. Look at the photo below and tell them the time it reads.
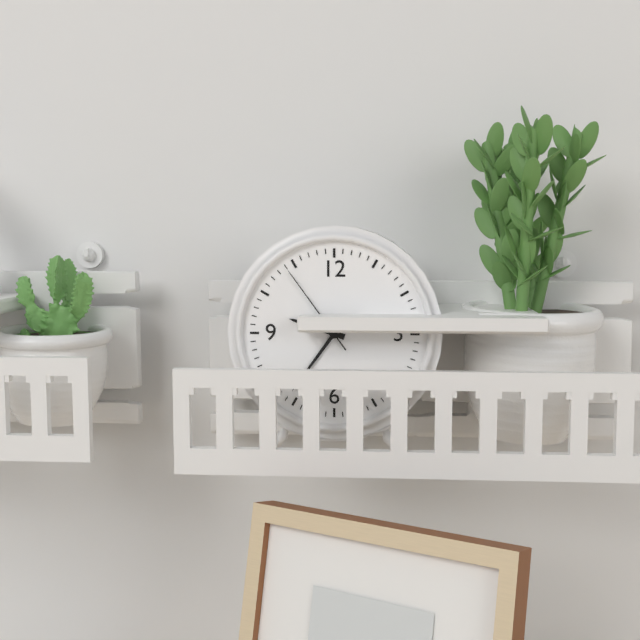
9:36:54
